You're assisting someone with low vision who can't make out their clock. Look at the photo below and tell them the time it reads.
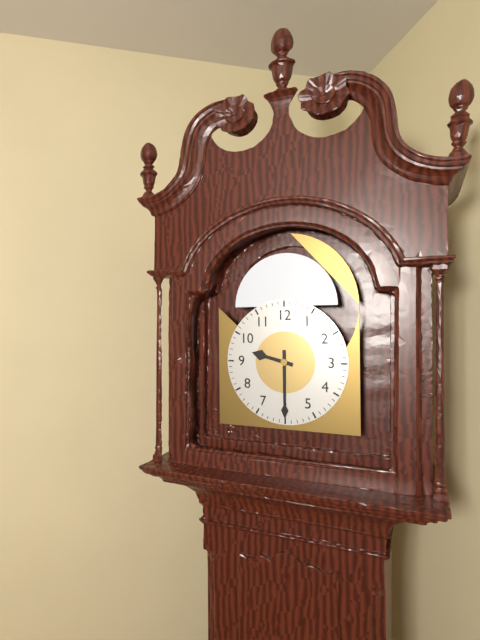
9:30
